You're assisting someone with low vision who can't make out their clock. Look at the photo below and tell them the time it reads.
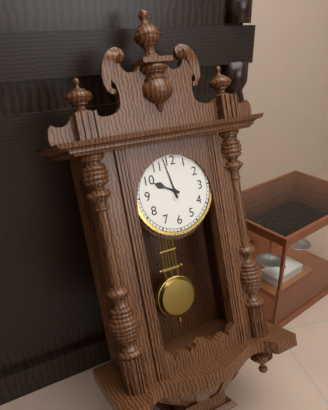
9:58
